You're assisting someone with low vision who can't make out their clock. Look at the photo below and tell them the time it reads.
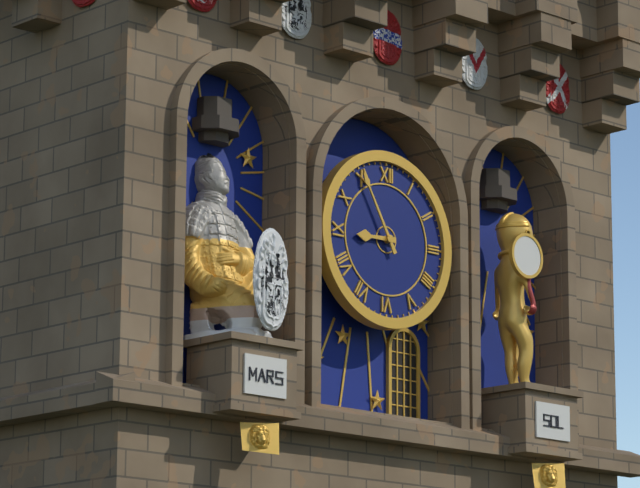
8:55
